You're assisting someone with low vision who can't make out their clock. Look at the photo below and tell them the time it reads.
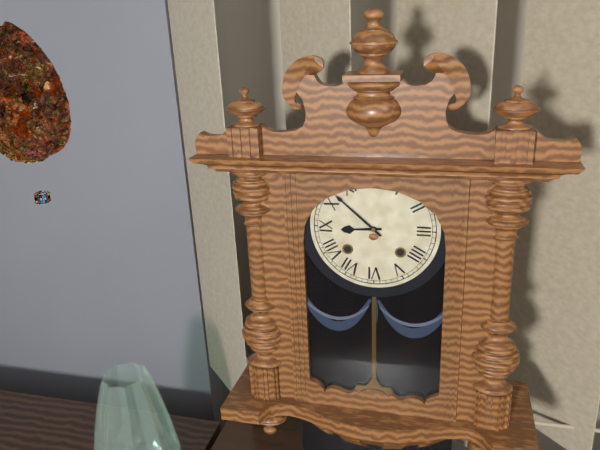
8:52
